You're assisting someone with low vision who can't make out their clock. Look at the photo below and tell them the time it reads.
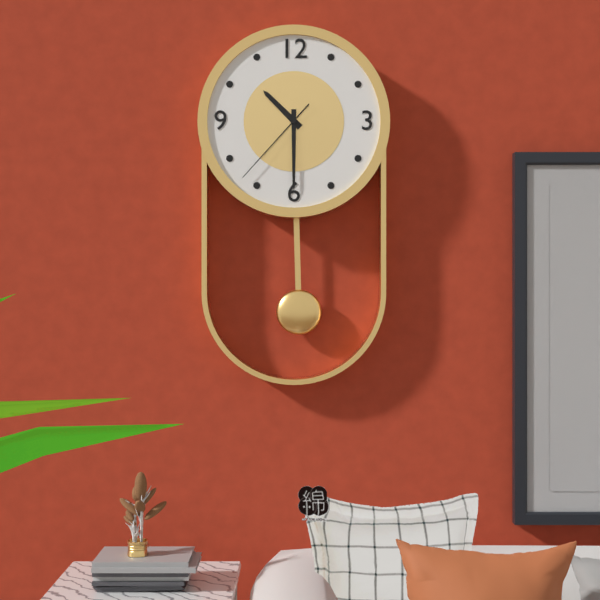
10:30:37
